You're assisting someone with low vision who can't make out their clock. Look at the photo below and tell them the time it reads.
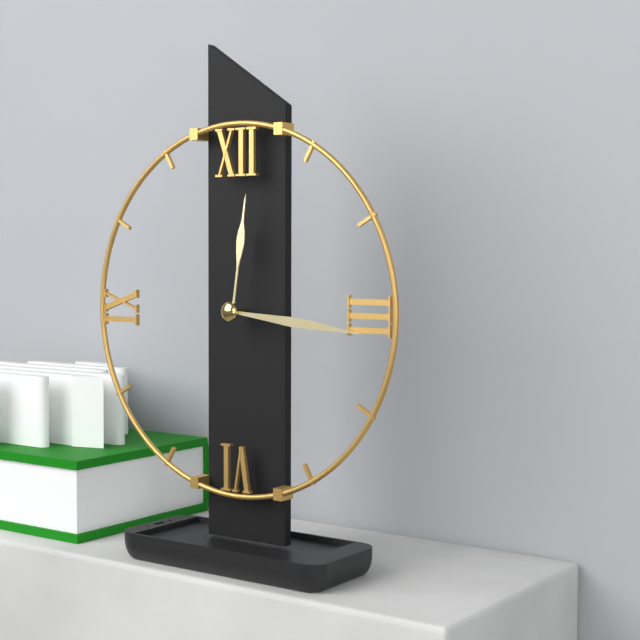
12:16
